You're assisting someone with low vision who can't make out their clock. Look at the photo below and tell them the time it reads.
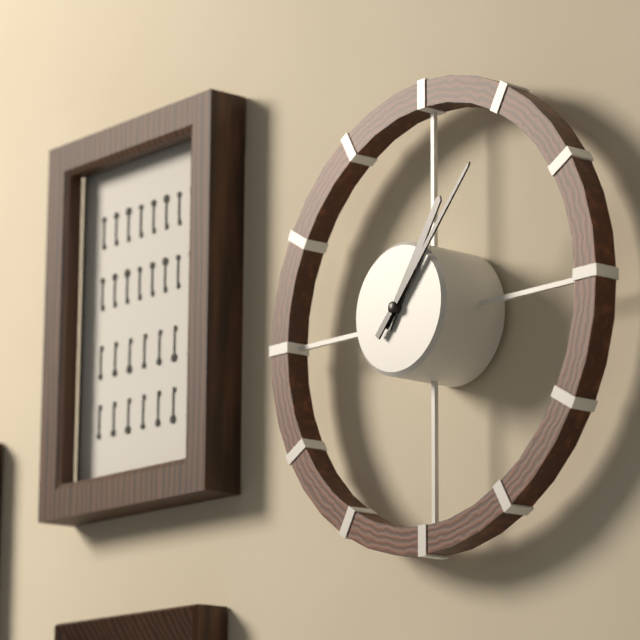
1:07
